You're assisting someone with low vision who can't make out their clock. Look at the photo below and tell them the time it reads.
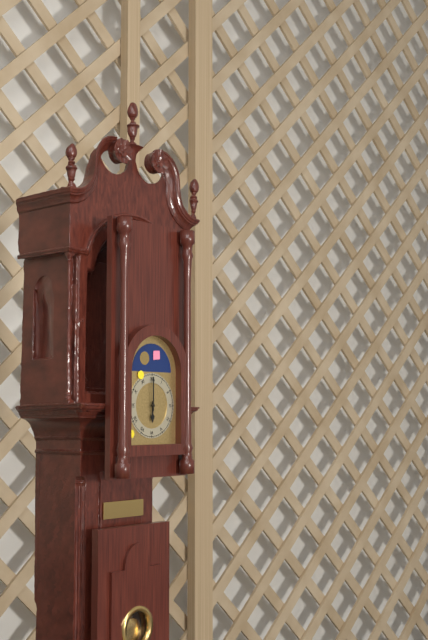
6:00
